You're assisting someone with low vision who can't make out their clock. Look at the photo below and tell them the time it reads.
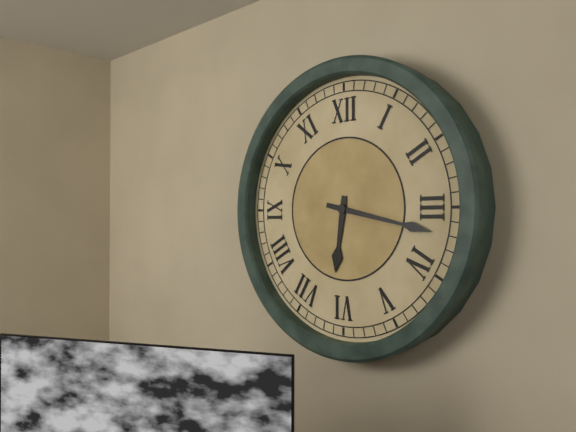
6:17
